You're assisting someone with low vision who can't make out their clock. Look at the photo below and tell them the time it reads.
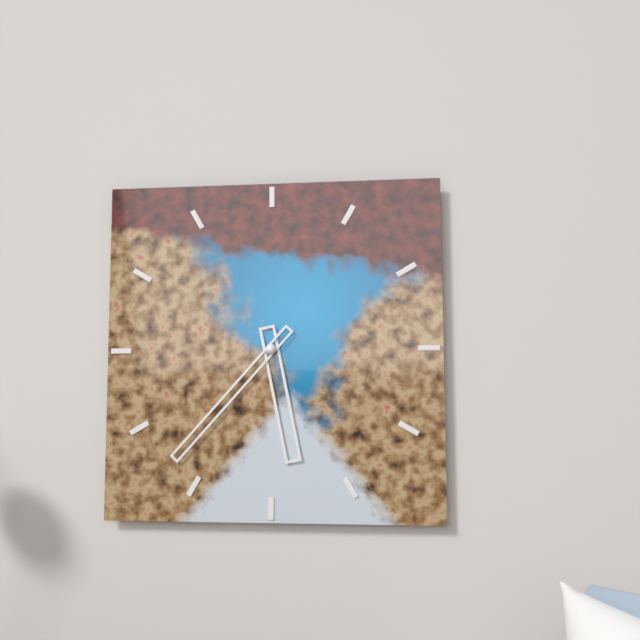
5:37
